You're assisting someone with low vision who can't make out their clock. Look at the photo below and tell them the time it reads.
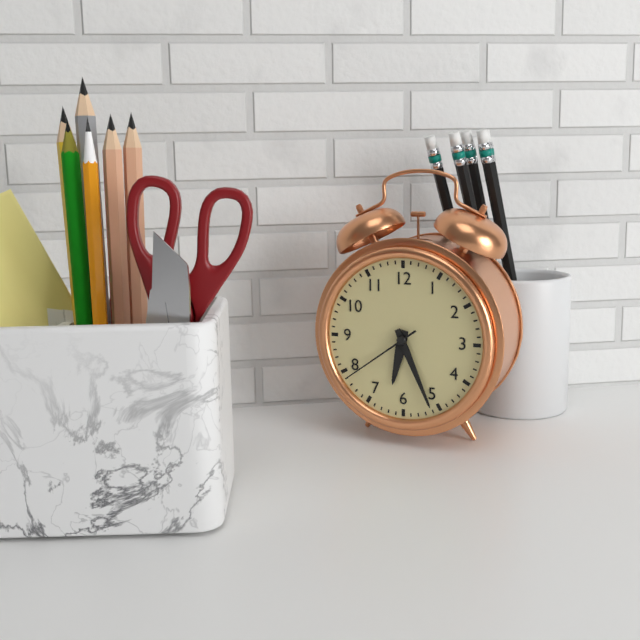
6:26:39
